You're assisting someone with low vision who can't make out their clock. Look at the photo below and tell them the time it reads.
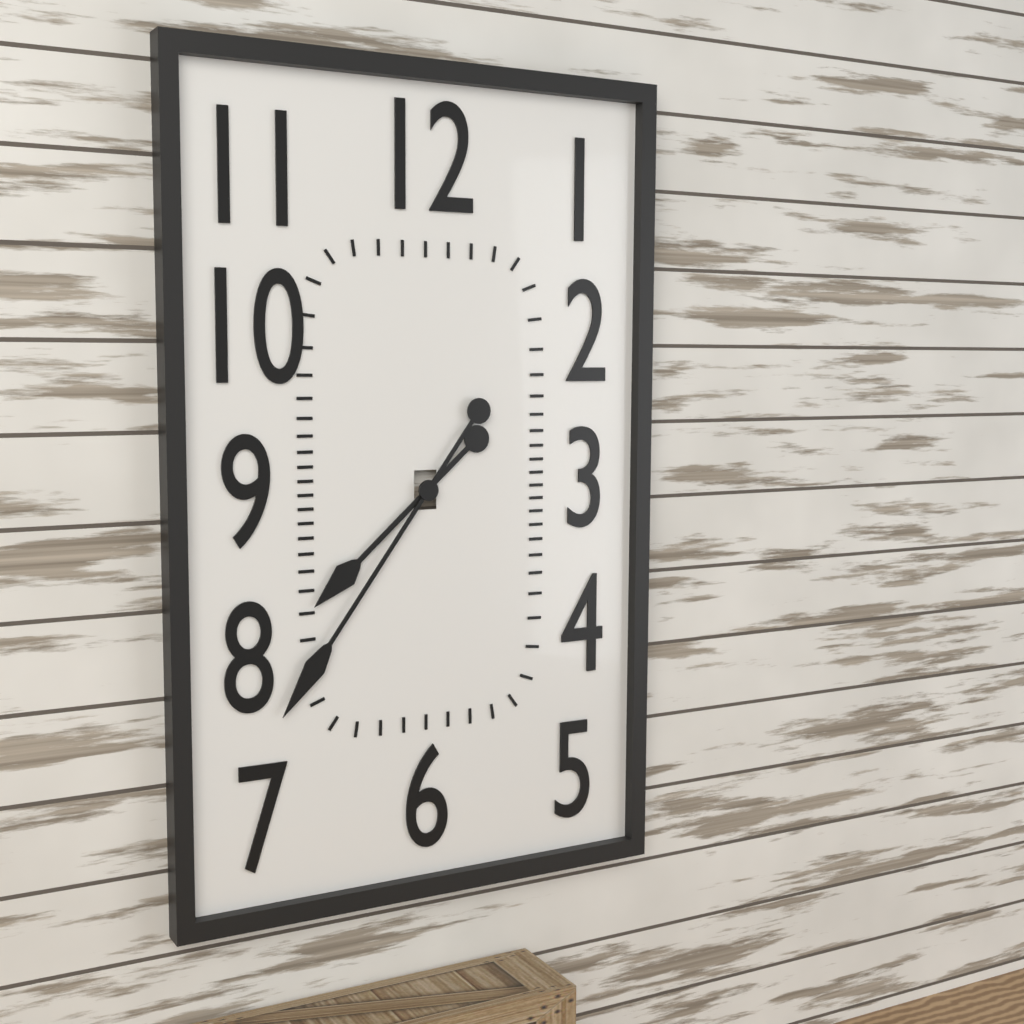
7:36
